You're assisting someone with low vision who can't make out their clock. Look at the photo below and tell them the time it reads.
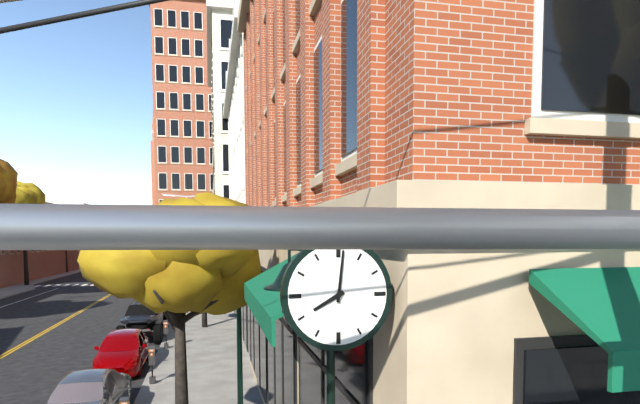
8:01
